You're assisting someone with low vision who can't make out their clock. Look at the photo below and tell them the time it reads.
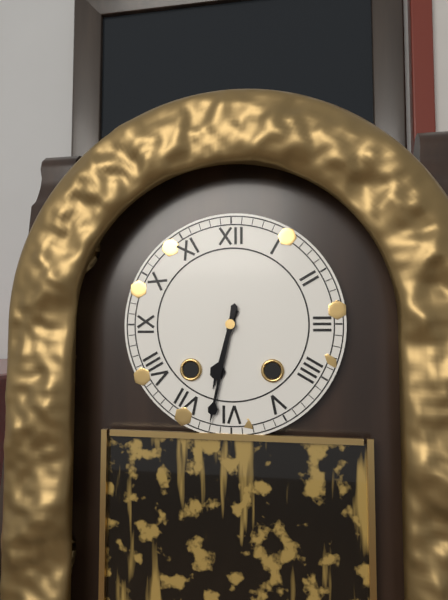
6:32
